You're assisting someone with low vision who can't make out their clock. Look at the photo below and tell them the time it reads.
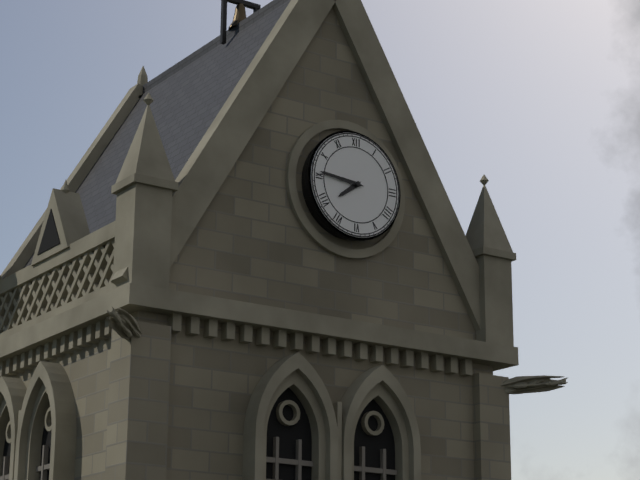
7:46
